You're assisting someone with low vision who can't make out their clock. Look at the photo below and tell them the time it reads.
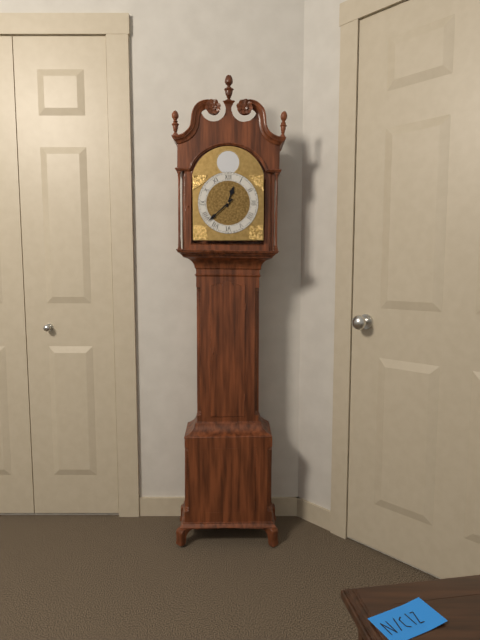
12:38
